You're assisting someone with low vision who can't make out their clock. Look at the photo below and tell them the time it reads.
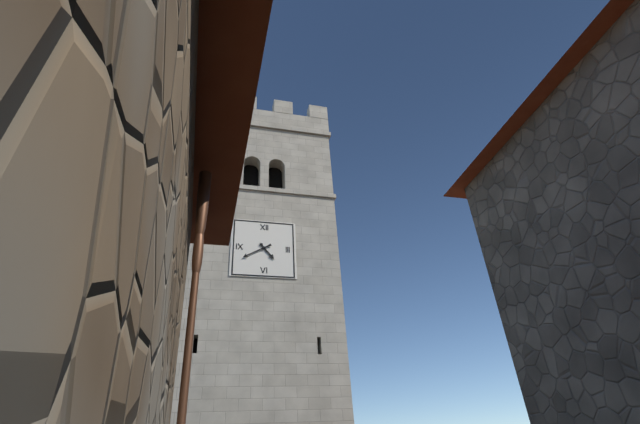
4:40
